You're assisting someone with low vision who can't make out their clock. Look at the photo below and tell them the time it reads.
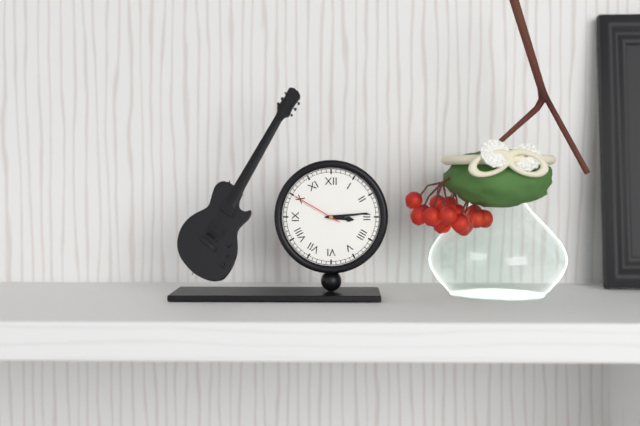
3:14:50
